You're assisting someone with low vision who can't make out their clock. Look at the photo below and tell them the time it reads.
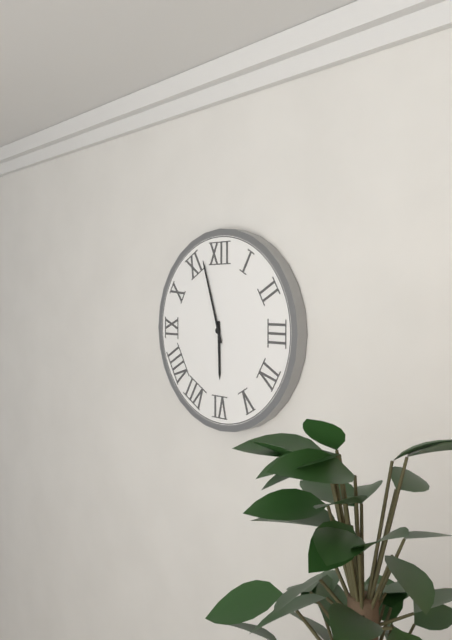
5:57
